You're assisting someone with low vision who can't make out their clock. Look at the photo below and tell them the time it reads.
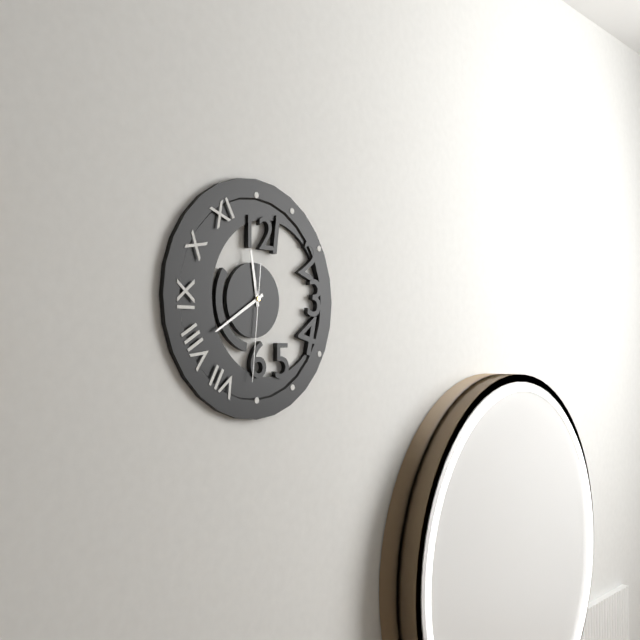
11:40:31
